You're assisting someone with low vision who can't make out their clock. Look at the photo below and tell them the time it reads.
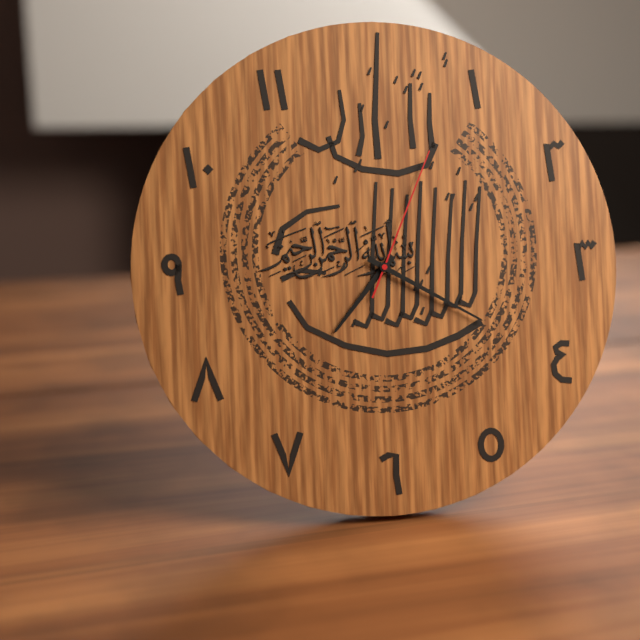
7:20:04
